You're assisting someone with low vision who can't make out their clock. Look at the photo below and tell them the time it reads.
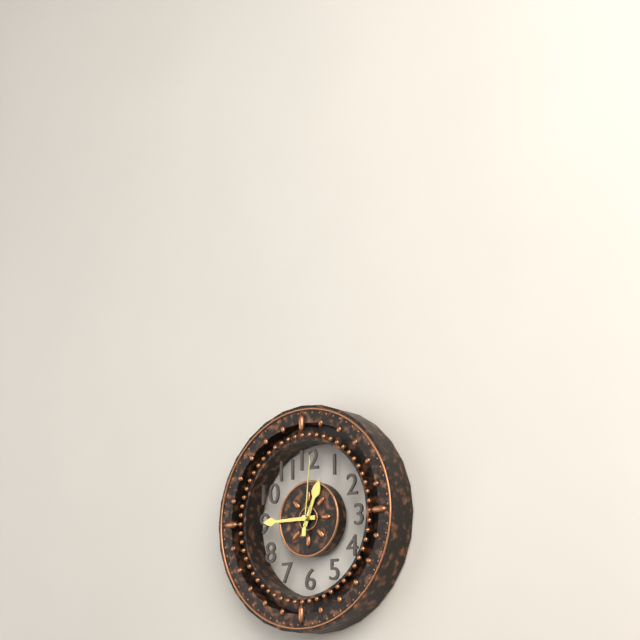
12:45:01
